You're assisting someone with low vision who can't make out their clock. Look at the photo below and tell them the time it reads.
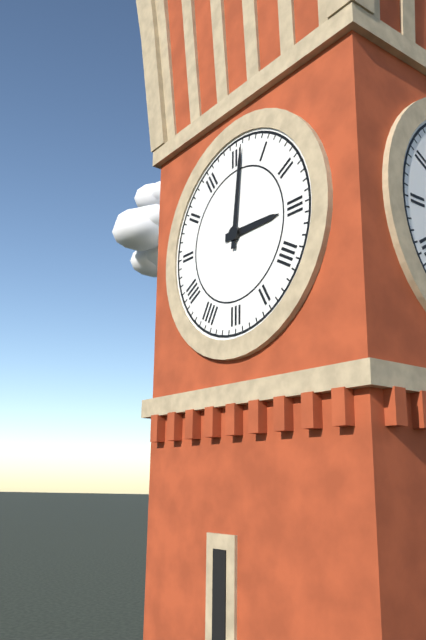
3:01
